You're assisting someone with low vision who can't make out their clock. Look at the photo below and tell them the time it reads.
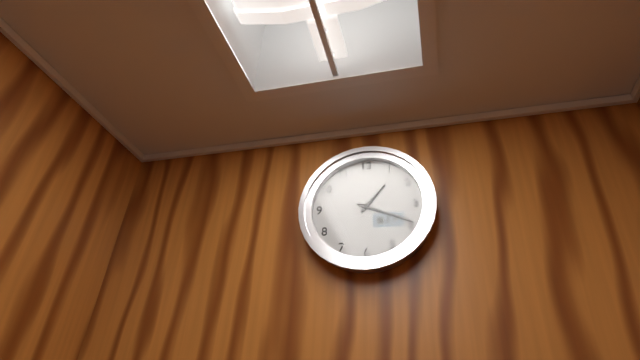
1:19
